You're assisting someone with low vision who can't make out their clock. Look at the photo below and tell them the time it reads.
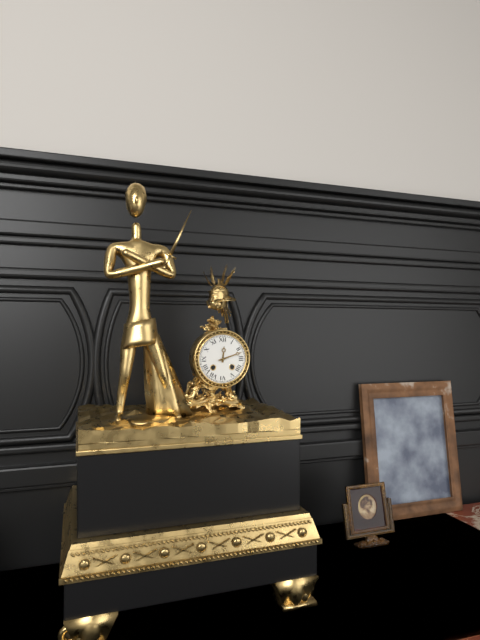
12:12
